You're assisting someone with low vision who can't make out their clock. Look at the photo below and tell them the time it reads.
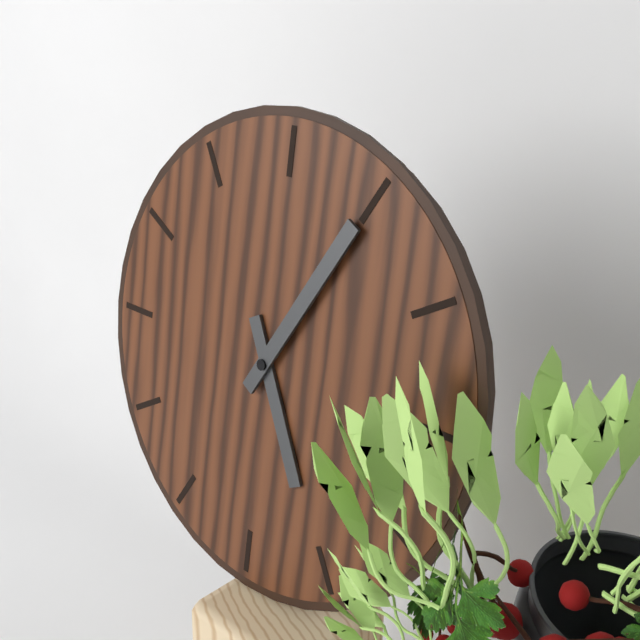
5:05
